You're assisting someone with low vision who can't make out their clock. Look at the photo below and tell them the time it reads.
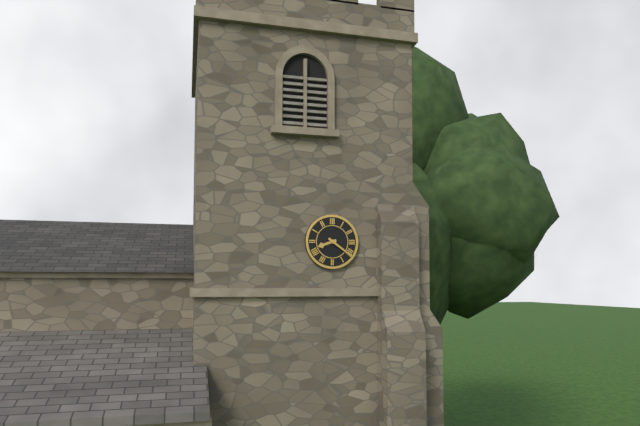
8:21
